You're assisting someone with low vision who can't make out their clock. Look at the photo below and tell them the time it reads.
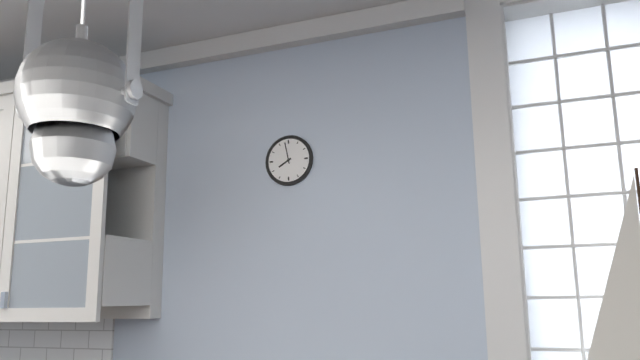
7:58
